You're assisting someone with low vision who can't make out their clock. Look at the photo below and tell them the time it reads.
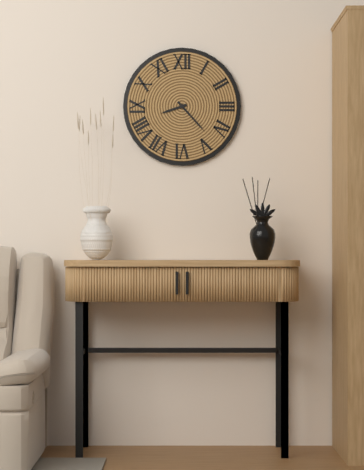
8:23
